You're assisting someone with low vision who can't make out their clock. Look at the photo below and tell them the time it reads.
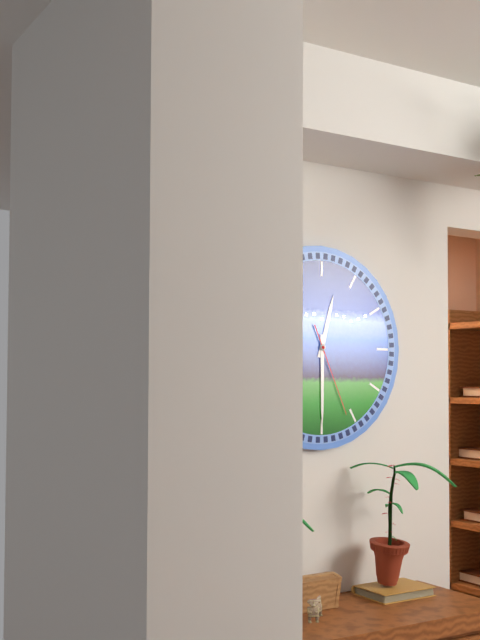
12:30:26
